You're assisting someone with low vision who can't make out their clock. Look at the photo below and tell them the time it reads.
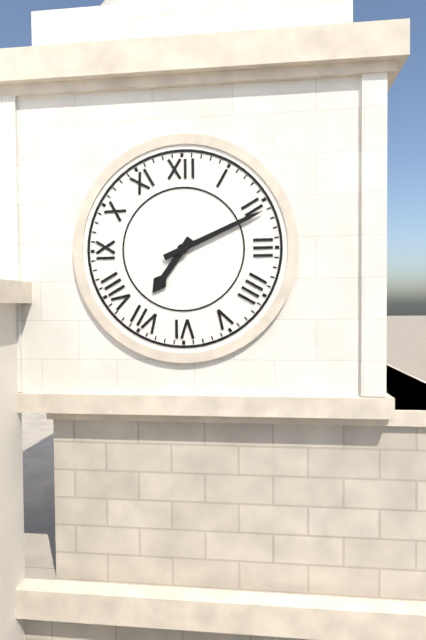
7:11
